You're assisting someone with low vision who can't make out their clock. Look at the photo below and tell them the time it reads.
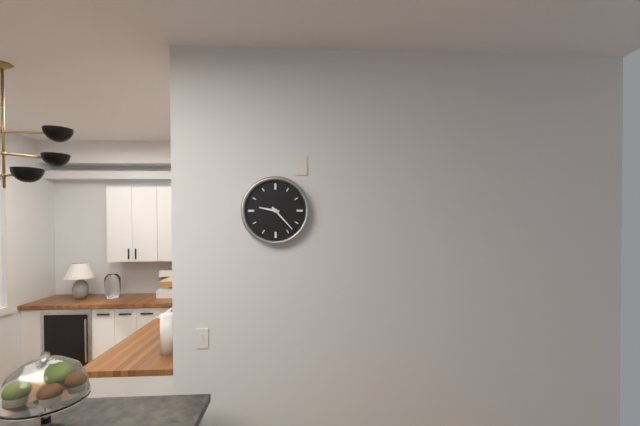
9:23
